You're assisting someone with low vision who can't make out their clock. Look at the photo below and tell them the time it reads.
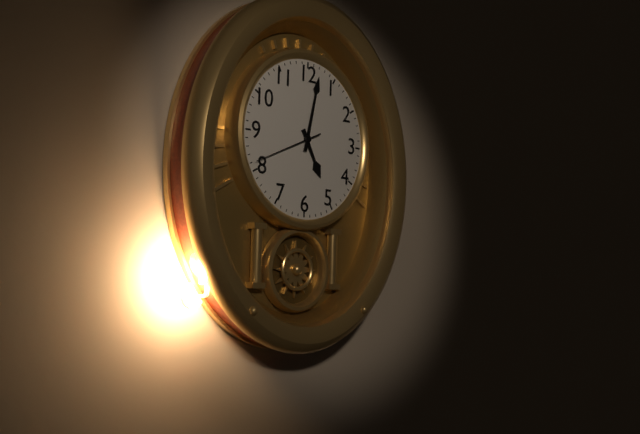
5:02:41
